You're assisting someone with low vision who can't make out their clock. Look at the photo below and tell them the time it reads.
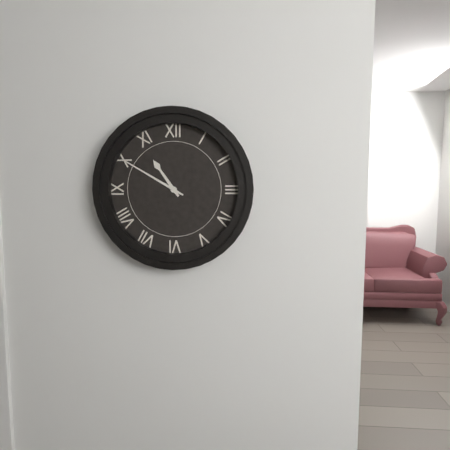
10:50
